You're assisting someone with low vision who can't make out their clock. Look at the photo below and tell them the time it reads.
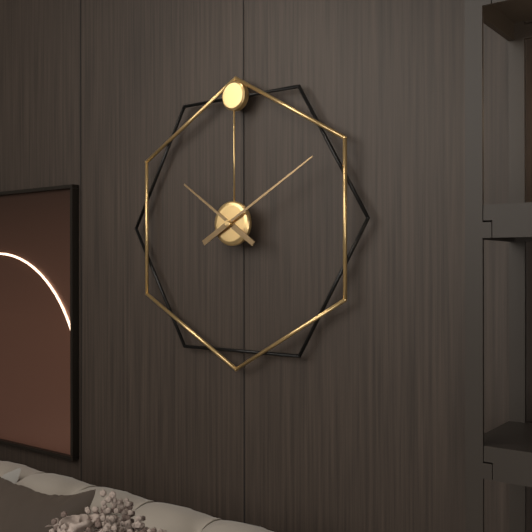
10:10
